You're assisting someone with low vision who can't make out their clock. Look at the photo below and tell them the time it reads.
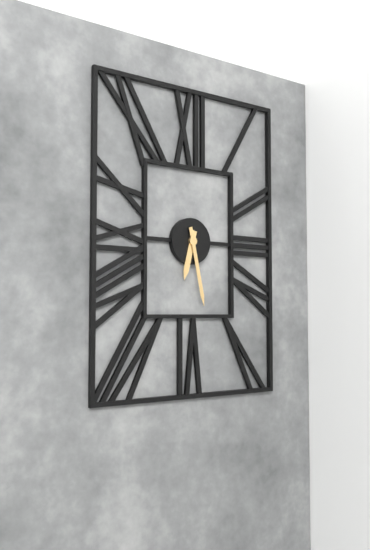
6:28
